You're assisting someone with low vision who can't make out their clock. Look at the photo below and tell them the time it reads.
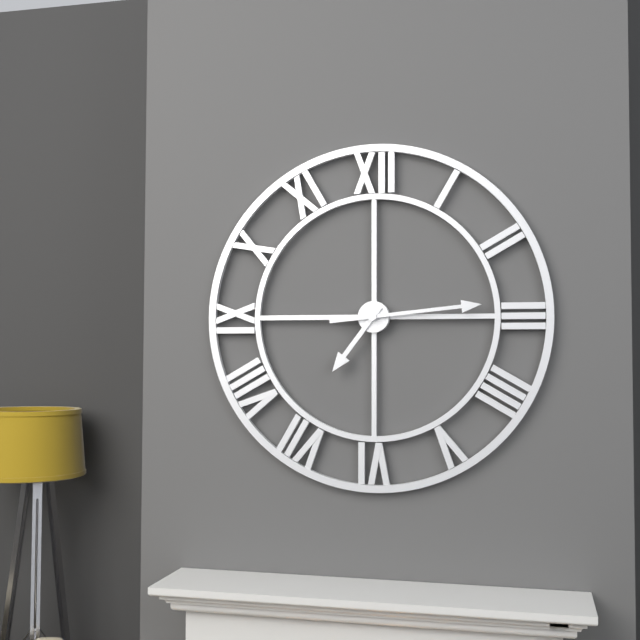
7:14
